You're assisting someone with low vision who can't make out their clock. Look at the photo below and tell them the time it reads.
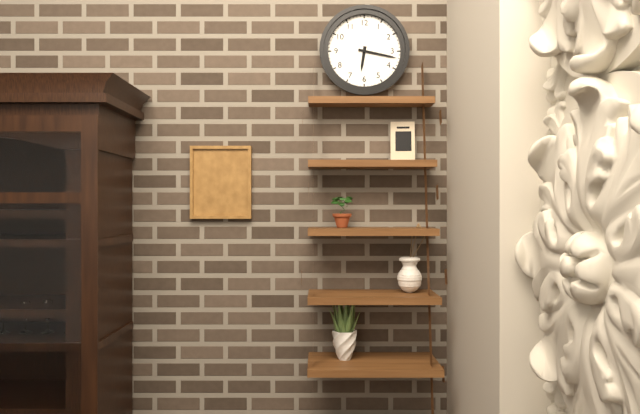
6:17
